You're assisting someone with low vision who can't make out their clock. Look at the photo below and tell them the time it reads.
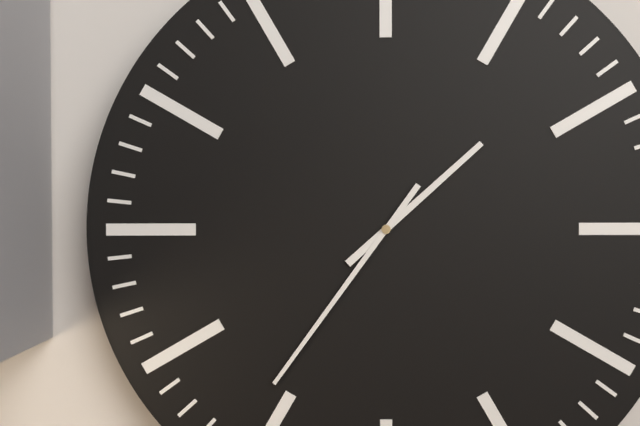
1:36
